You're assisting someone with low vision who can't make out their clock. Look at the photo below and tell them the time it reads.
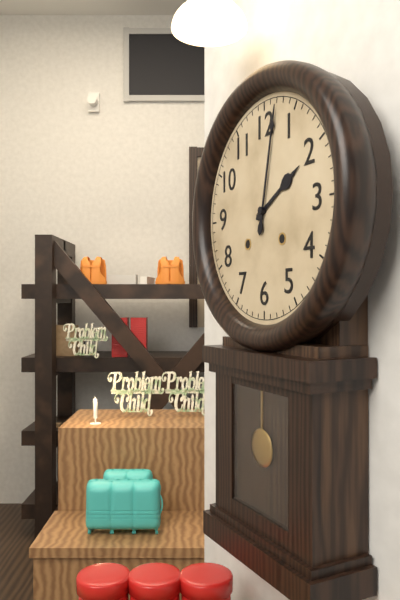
2:02
